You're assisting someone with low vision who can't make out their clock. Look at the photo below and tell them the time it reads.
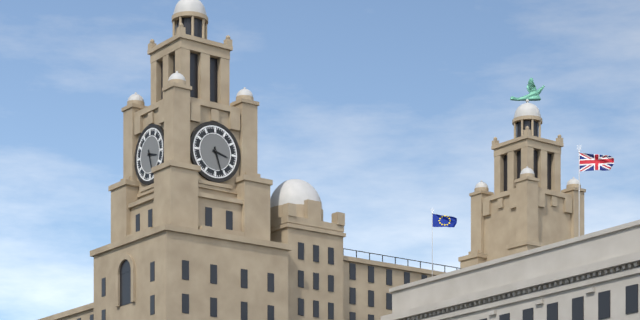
3:27
